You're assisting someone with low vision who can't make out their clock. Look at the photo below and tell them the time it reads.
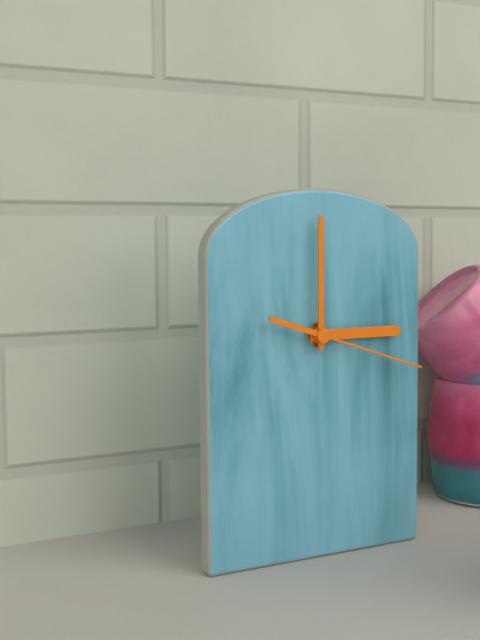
3:00:18
